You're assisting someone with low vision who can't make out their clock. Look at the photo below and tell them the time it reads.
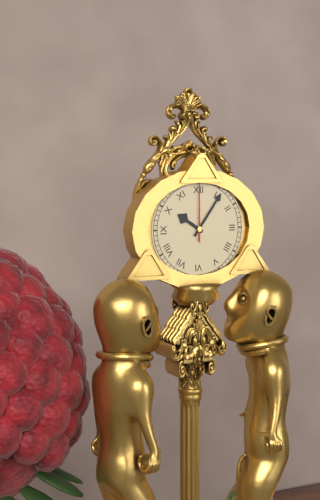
10:06:00
